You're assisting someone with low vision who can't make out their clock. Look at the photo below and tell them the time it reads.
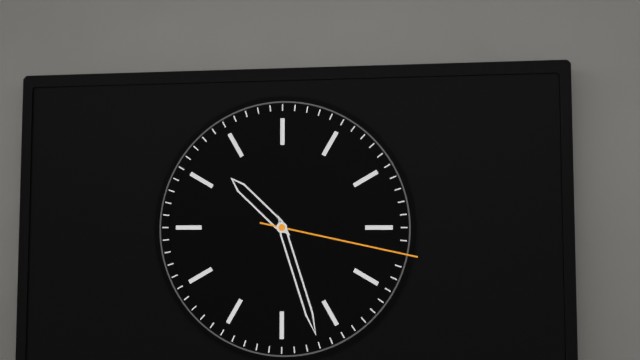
10:27:17
